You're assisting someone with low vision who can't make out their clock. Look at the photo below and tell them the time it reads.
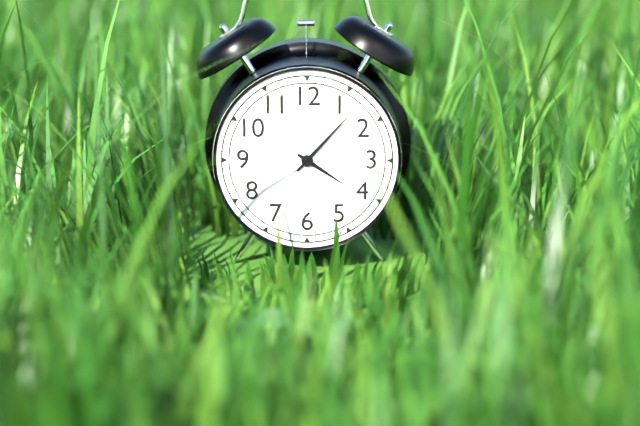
4:07
